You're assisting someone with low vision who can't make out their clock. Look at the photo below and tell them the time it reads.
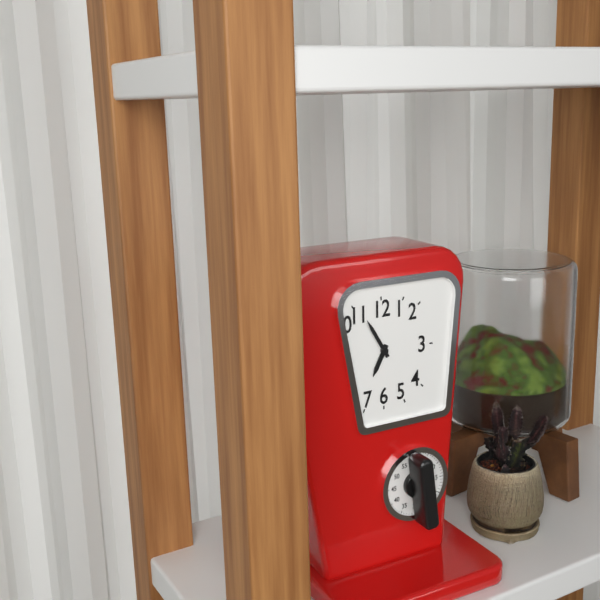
6:55
